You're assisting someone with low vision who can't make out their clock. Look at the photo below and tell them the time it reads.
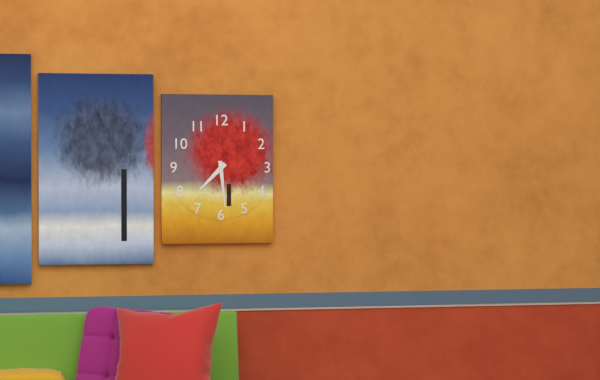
7:29
